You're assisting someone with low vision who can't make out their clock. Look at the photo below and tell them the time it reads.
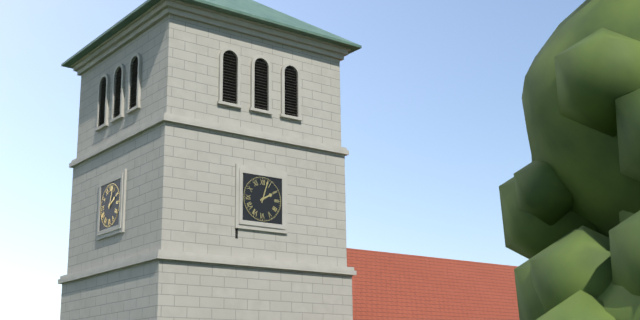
2:03
